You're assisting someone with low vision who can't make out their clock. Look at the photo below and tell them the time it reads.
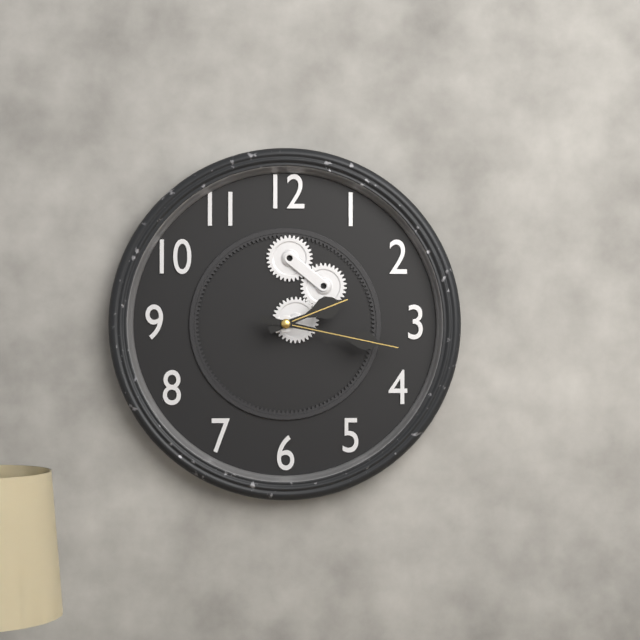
2:17
